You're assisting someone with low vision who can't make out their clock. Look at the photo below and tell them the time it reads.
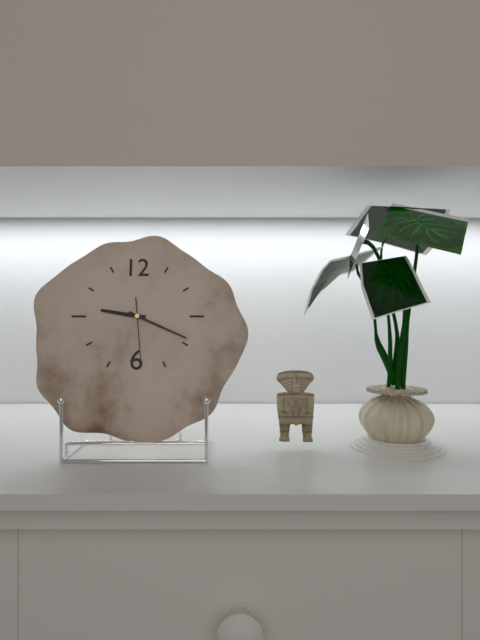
9:19:29
